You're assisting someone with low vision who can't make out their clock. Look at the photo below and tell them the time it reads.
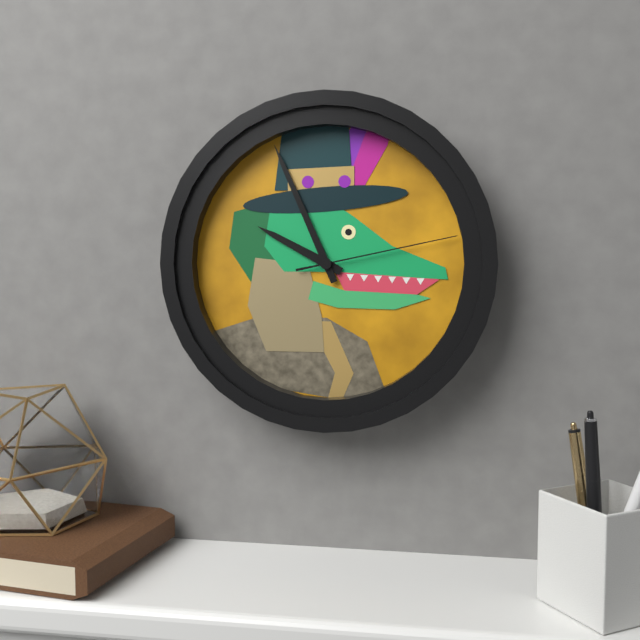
9:56:13
